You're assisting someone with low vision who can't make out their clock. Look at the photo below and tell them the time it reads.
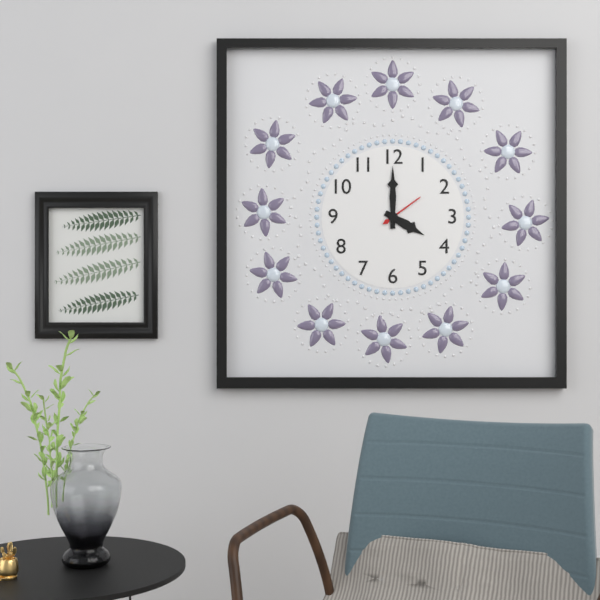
4:00
